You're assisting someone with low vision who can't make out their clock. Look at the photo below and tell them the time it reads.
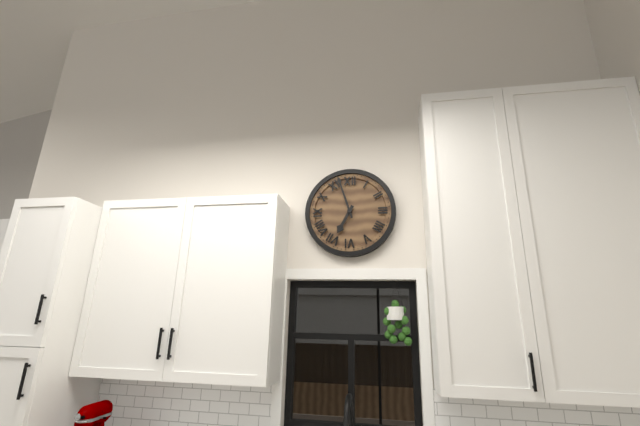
6:57
